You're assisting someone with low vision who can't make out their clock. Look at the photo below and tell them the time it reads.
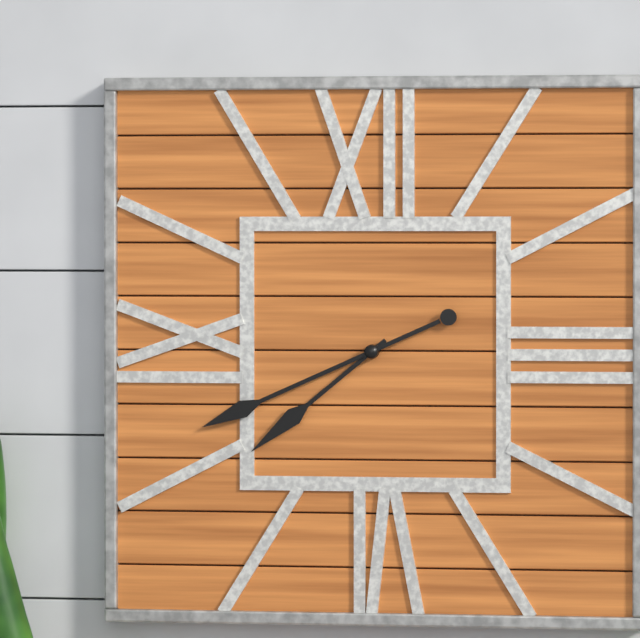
7:41
